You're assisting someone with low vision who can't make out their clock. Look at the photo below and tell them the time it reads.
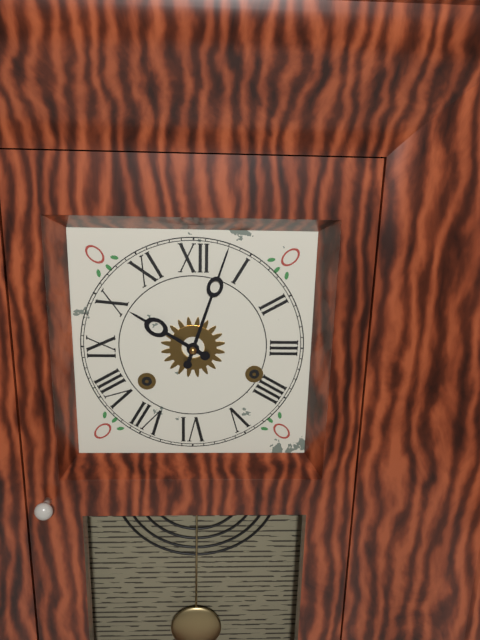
10:03
